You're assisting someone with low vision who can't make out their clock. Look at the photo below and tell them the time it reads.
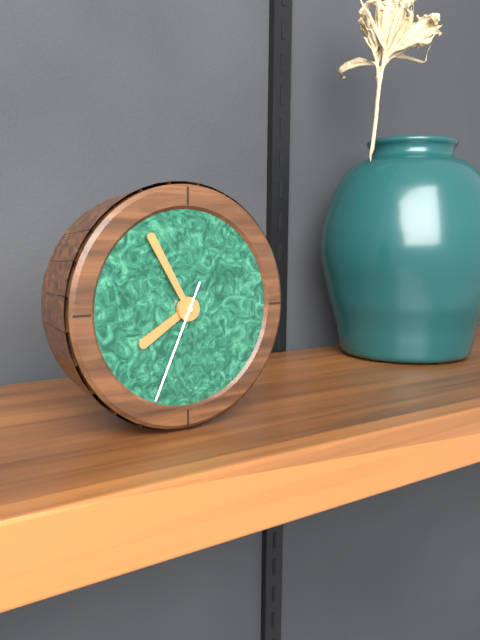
7:55:34
